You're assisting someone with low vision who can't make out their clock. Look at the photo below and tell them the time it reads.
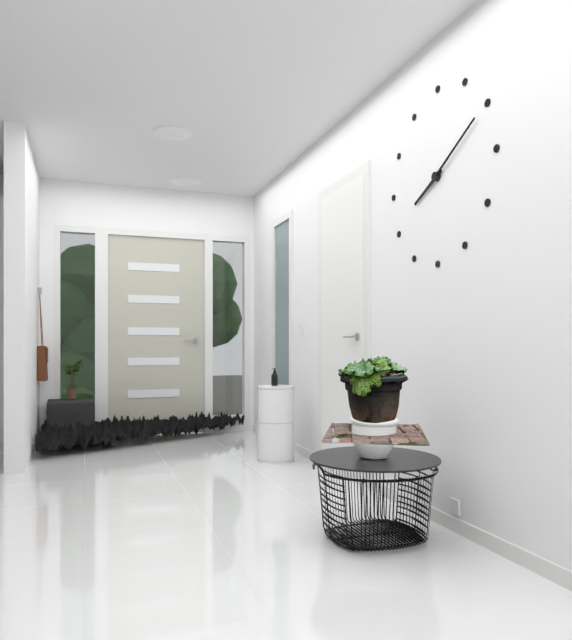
8:10
